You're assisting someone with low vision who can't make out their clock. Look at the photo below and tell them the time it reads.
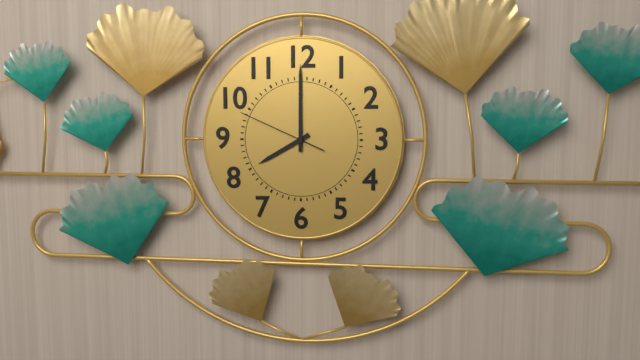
8:00:49
